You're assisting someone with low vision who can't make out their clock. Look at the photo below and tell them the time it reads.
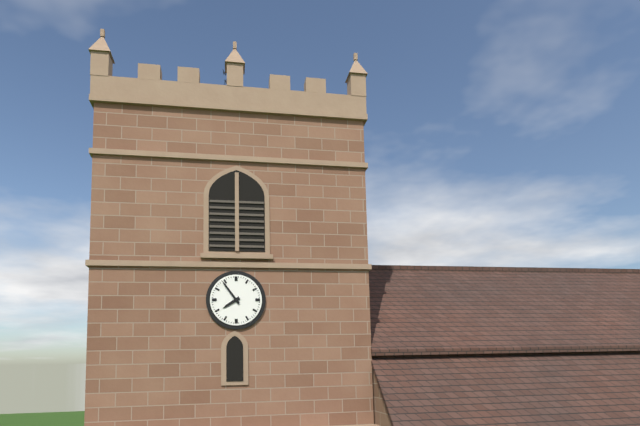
7:54
